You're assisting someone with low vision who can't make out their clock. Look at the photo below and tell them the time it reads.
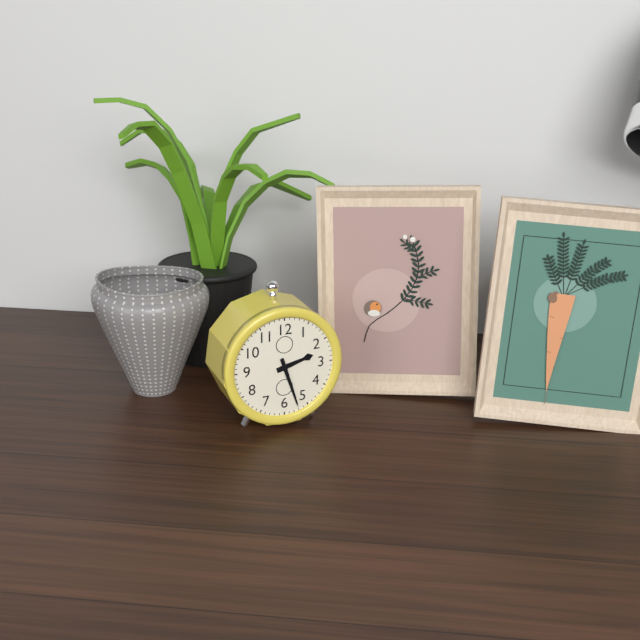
2:27
